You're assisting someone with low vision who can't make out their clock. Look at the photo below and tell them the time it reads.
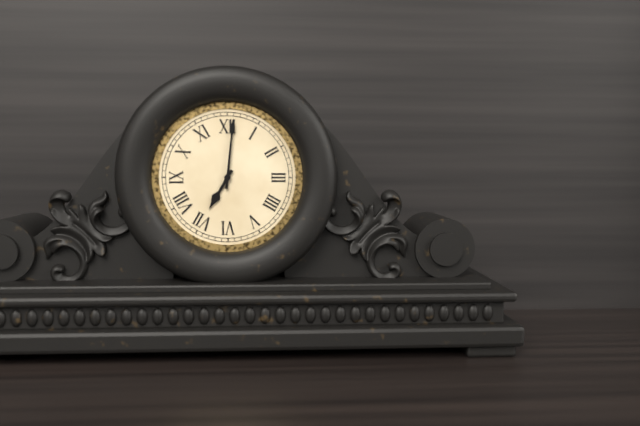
7:01
